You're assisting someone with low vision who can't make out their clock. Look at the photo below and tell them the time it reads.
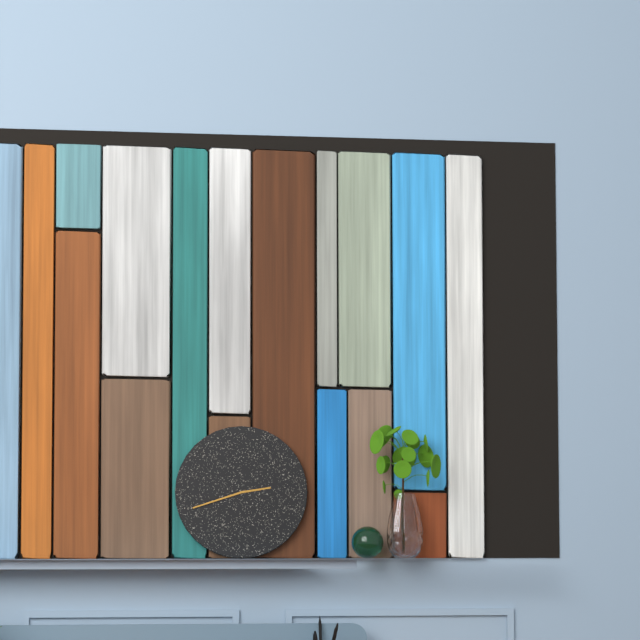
2:42
